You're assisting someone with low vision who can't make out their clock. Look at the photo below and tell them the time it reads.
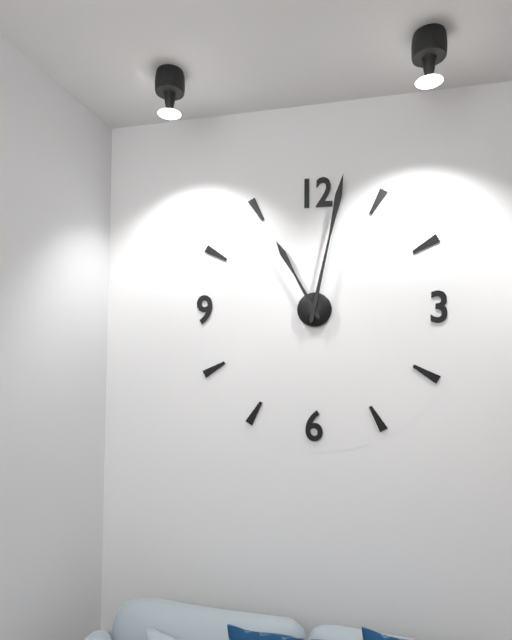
11:02
